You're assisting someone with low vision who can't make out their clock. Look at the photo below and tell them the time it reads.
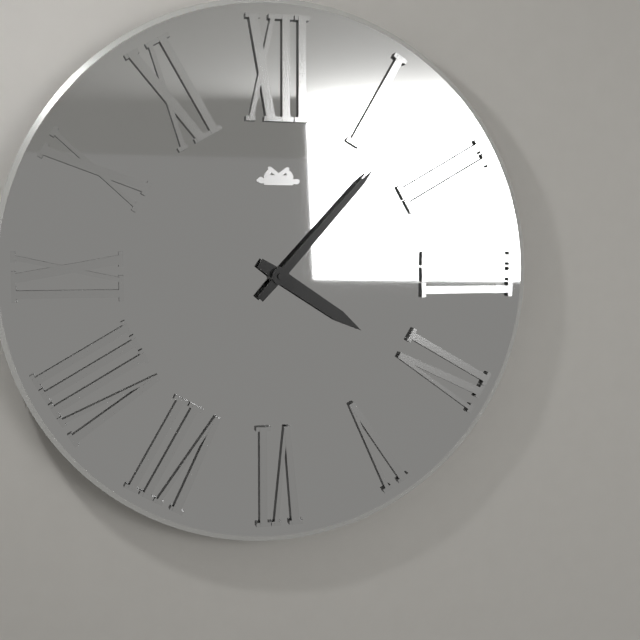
4:07
